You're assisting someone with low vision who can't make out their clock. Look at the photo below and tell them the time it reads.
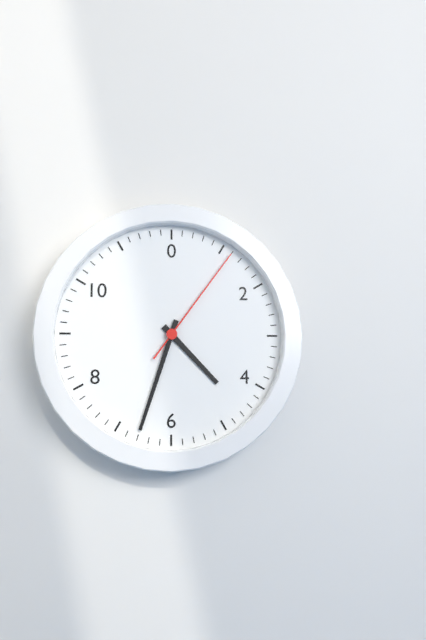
4:33:06
